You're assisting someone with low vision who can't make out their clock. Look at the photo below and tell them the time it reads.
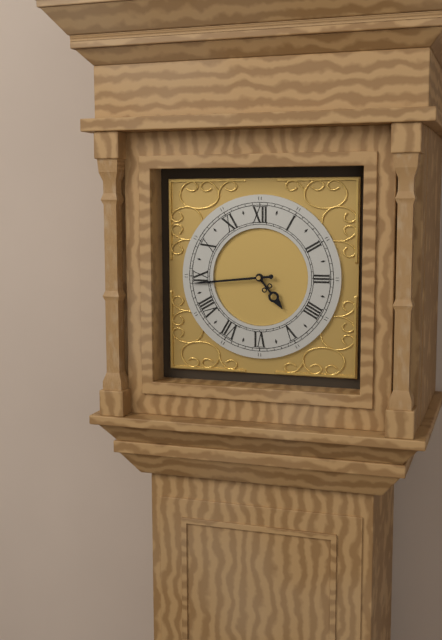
4:44
